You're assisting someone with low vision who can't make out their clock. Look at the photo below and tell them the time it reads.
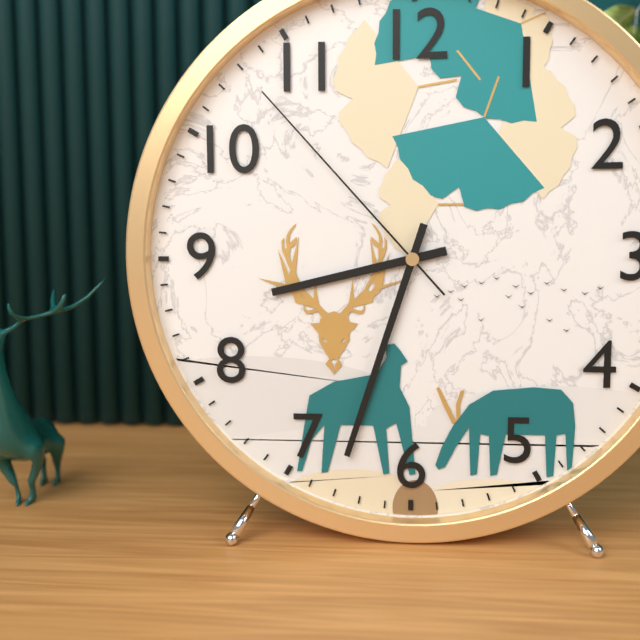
8:33:53
